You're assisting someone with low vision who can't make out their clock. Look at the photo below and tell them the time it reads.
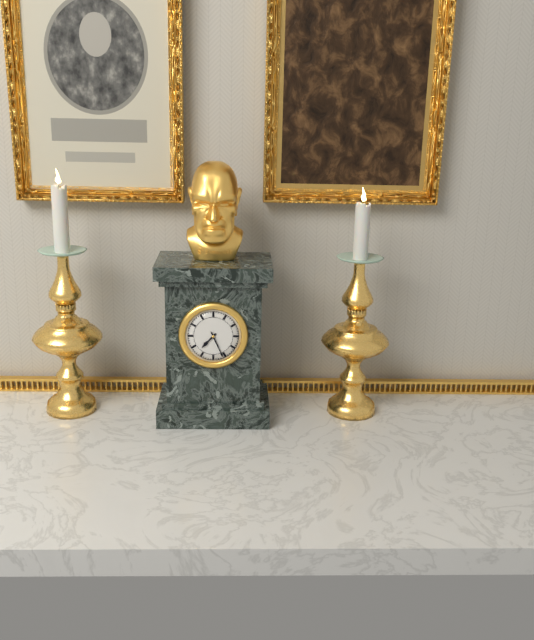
7:26
